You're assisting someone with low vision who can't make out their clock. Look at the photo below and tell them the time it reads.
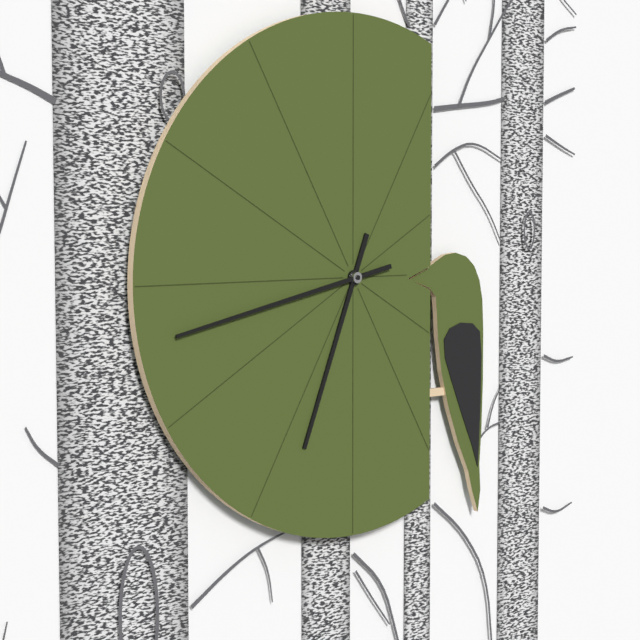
6:43
